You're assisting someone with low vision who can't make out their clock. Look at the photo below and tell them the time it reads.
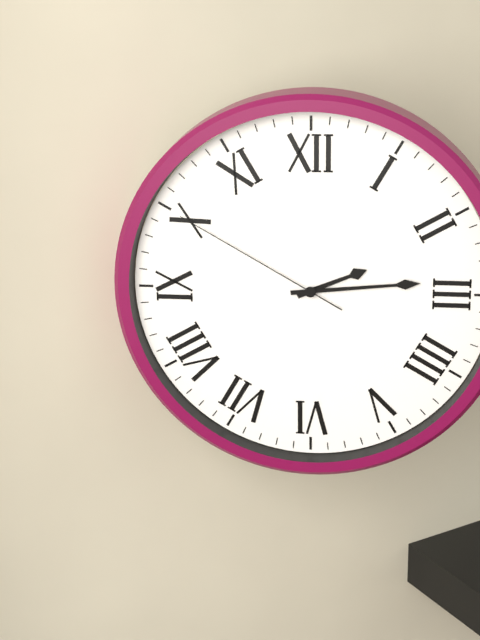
2:14:50
